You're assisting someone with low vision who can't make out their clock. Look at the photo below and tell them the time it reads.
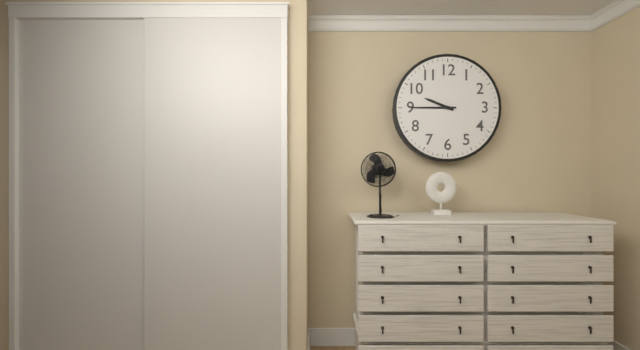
9:45
